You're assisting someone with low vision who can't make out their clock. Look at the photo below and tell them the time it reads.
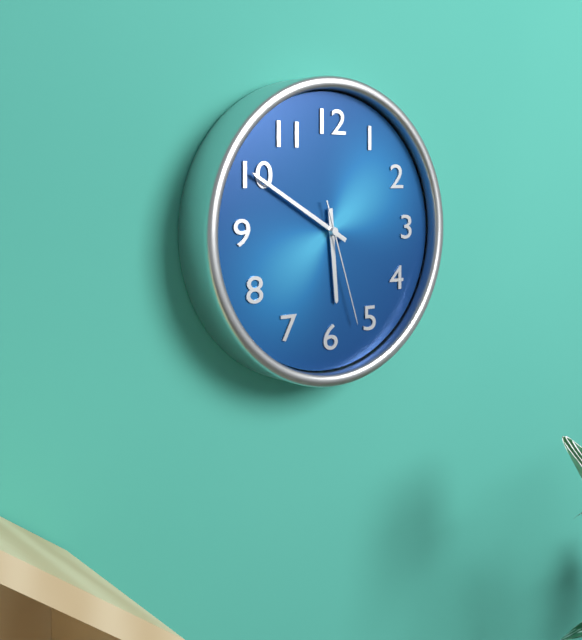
5:50:27
